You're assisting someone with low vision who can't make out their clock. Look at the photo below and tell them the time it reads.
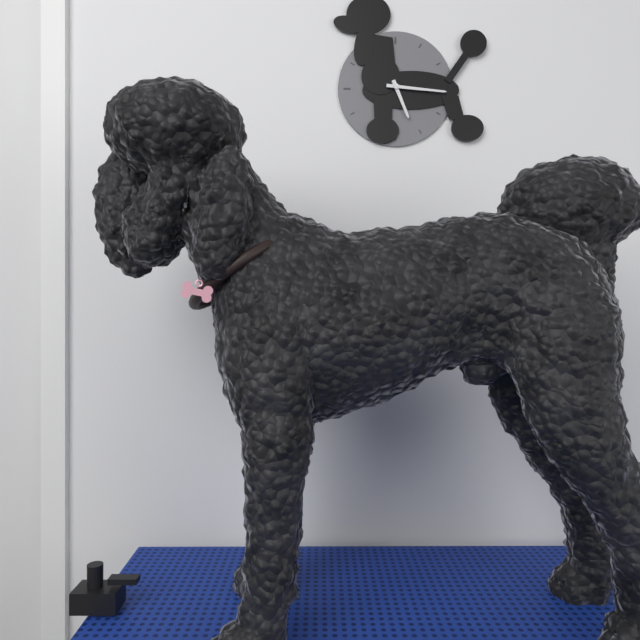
5:16
